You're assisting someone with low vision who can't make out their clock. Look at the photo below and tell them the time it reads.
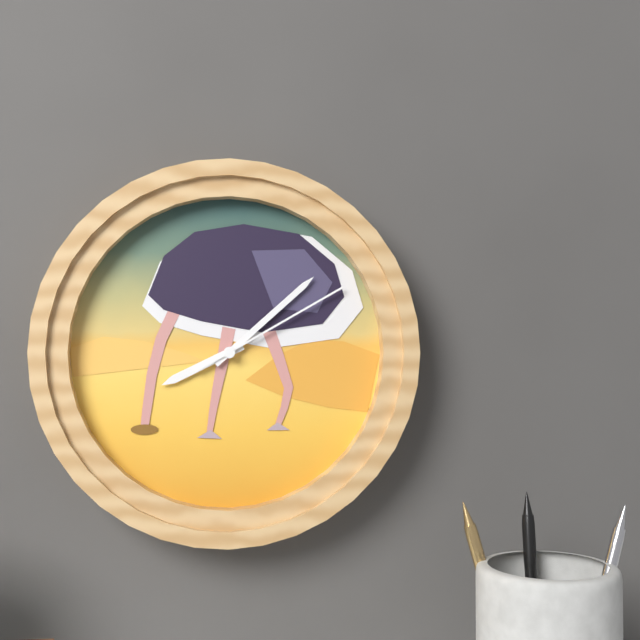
8:08:10
